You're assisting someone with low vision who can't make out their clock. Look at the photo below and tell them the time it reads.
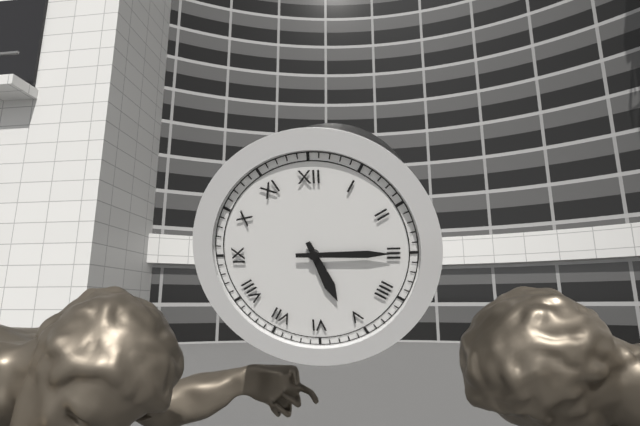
5:15
